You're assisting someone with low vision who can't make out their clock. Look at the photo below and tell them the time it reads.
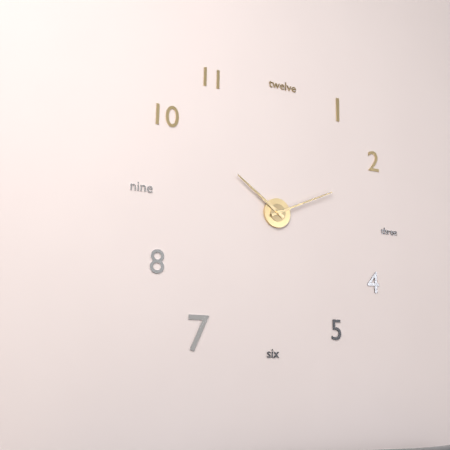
10:11
